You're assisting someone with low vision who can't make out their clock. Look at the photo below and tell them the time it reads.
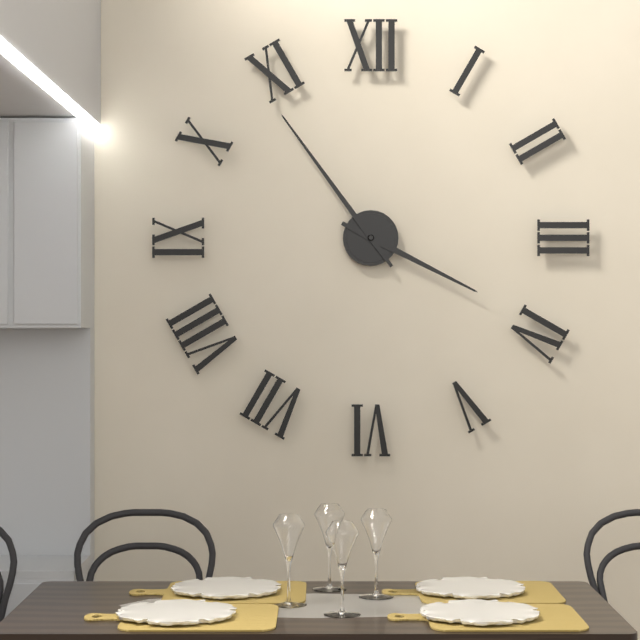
3:54
